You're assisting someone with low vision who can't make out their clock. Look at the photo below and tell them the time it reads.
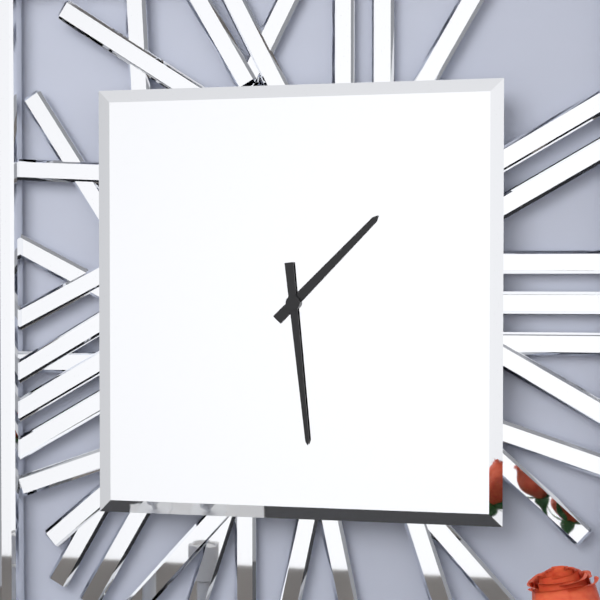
1:29
